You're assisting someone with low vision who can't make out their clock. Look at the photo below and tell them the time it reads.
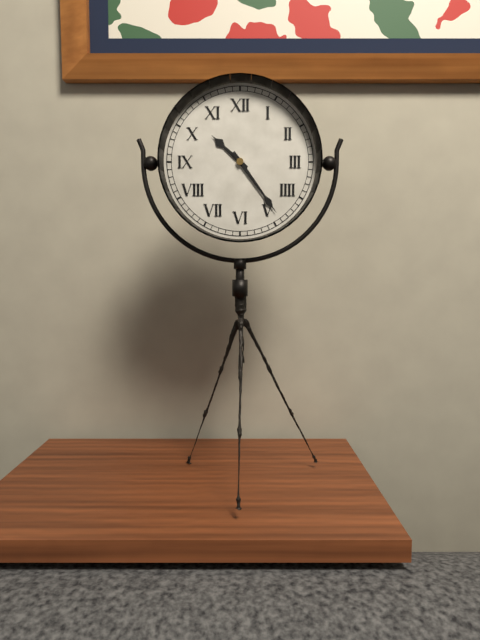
10:24
